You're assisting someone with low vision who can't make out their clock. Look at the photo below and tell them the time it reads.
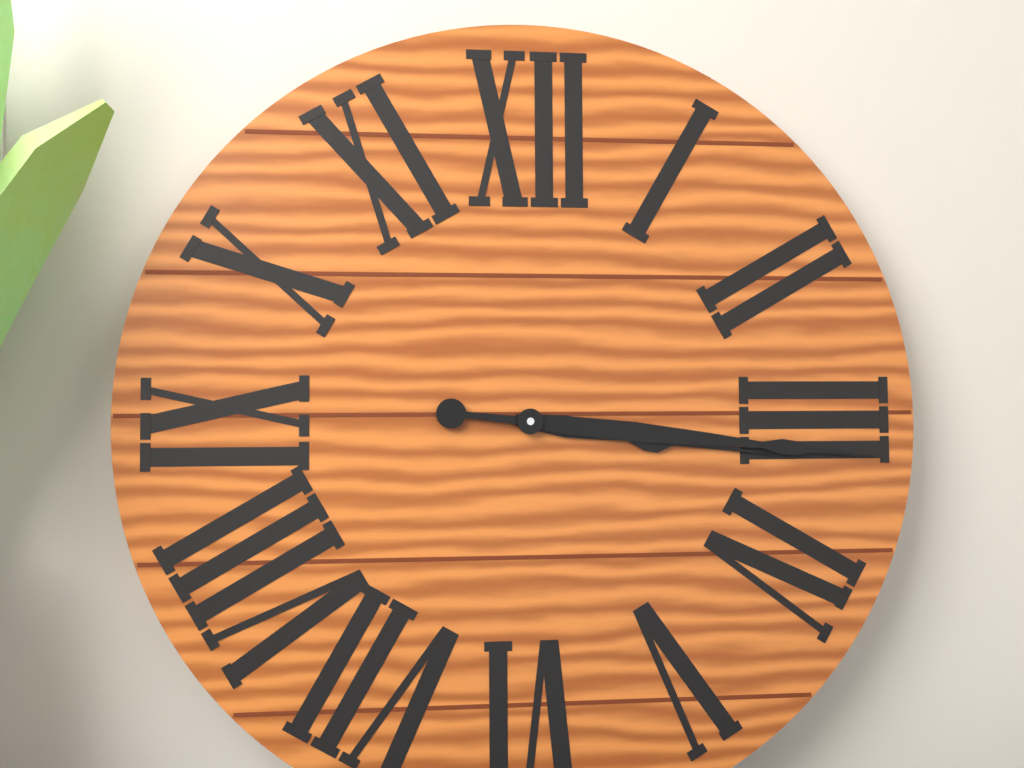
3:16
